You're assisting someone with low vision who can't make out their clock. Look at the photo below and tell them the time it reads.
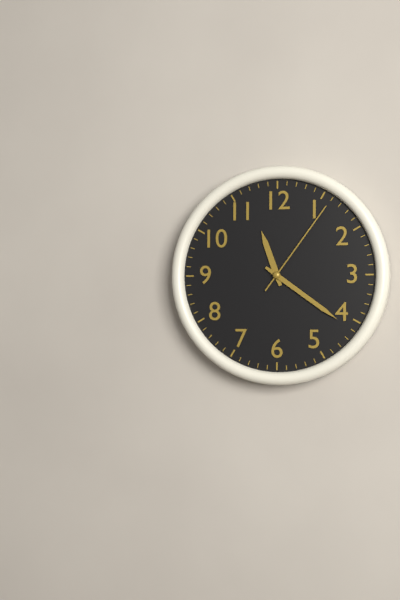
11:21:06
